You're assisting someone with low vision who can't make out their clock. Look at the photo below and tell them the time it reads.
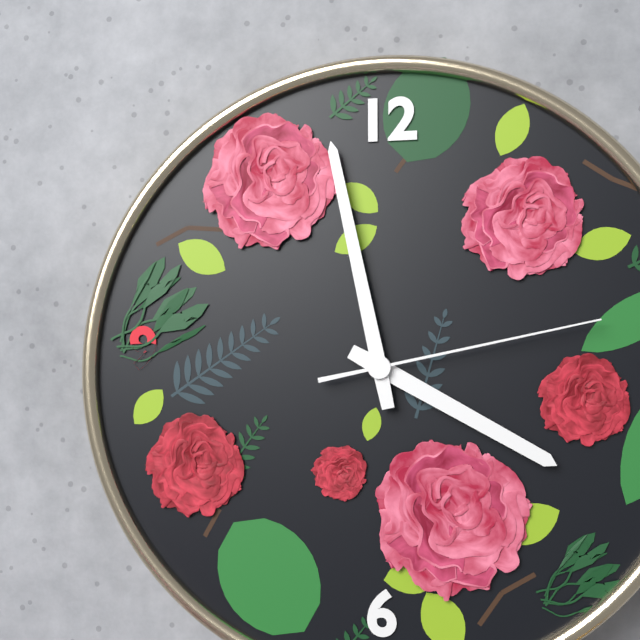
3:58:13
